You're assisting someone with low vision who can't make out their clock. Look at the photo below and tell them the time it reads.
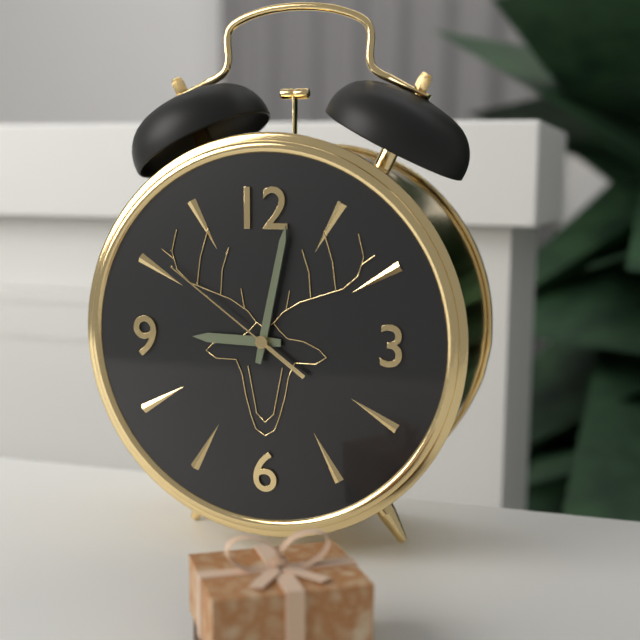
9:02:51
